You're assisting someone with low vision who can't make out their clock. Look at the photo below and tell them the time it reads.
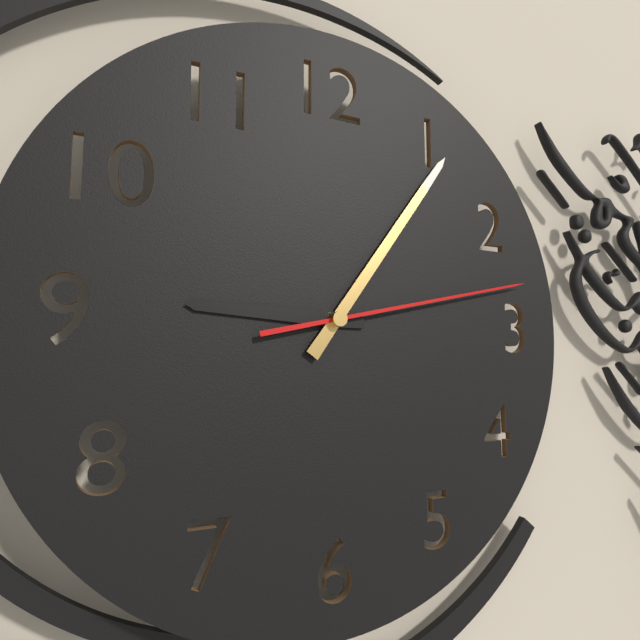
9:06:13
